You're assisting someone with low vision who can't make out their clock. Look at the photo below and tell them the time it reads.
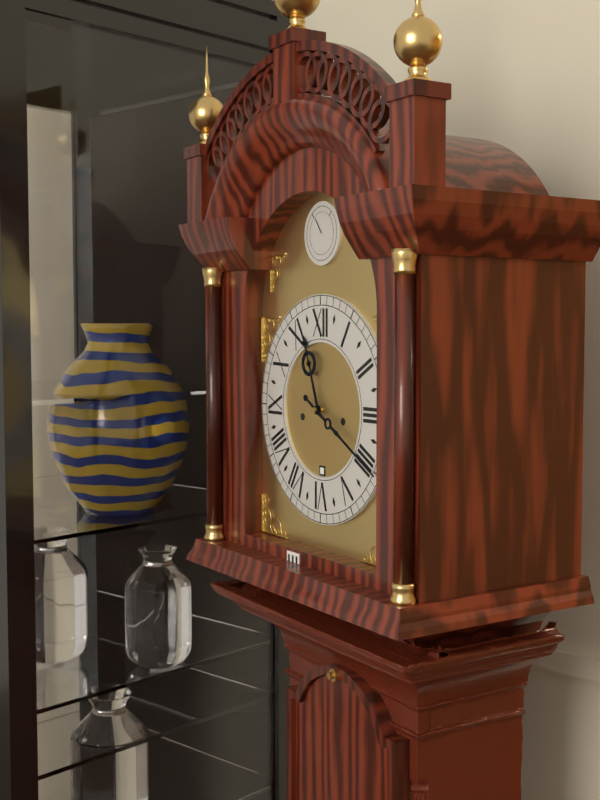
11:20
